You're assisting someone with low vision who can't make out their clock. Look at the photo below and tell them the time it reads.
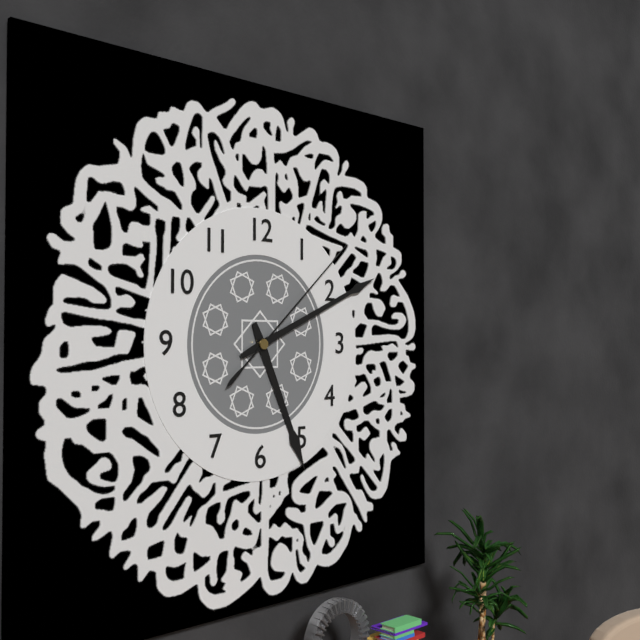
5:11:08
